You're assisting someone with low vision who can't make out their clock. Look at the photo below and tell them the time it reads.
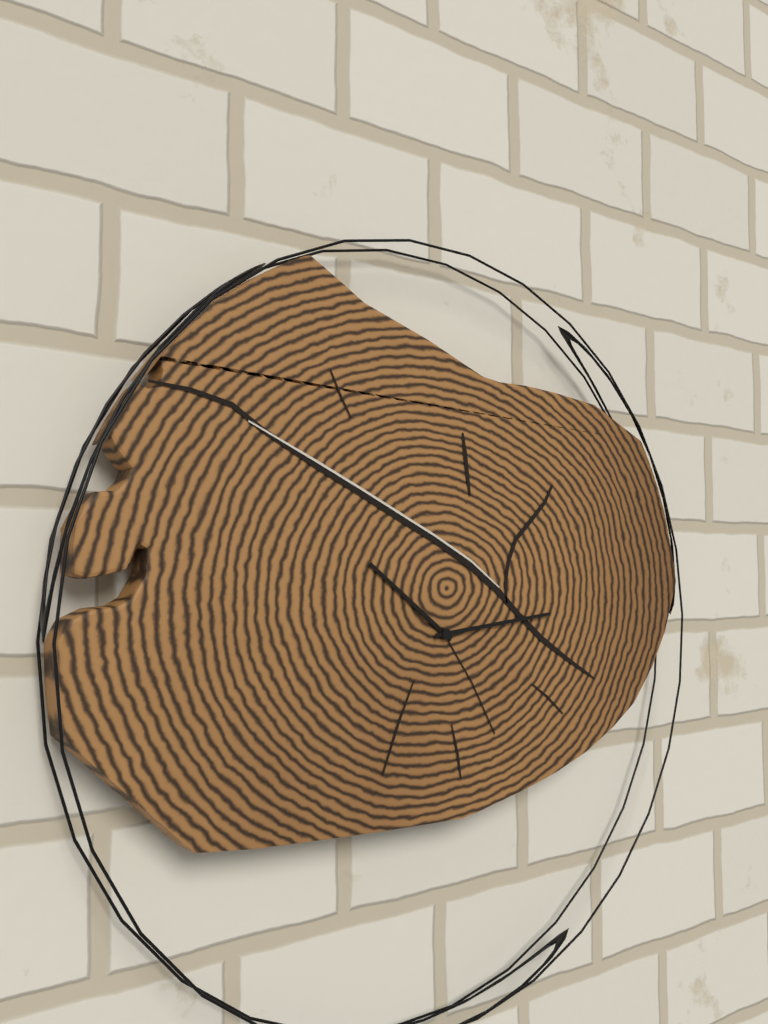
10:14
